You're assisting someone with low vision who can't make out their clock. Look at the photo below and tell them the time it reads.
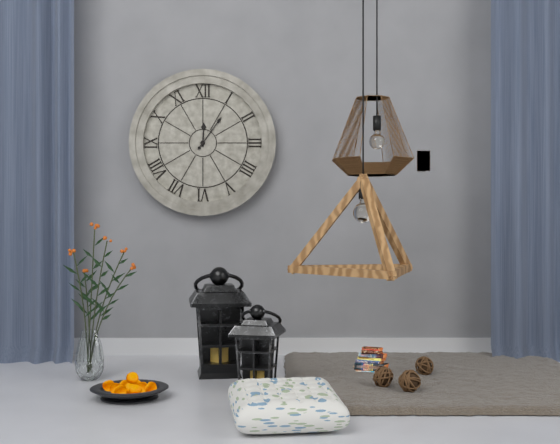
12:06
